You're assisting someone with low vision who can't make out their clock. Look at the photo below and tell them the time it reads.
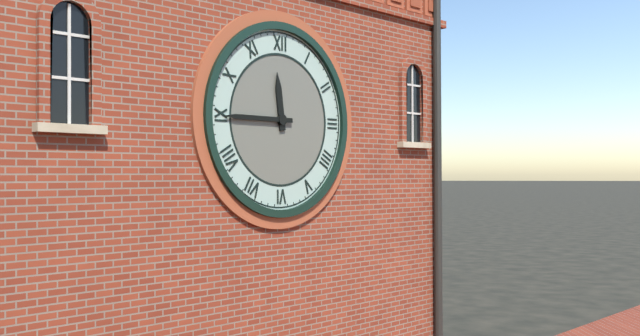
11:45
